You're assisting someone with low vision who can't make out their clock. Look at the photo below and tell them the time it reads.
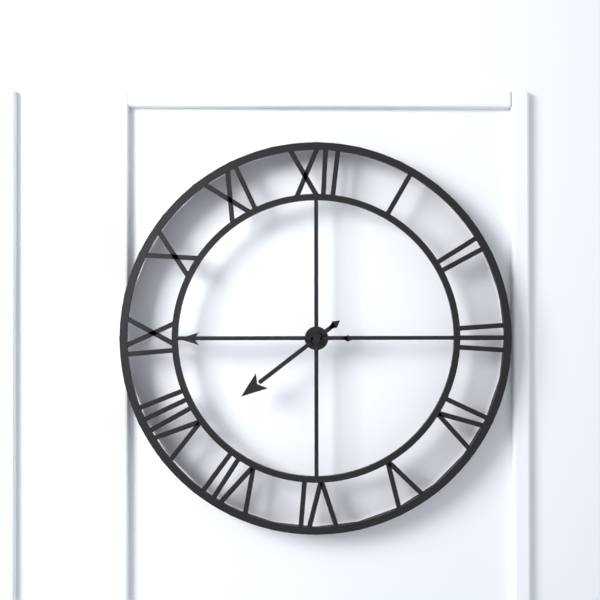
7:45
